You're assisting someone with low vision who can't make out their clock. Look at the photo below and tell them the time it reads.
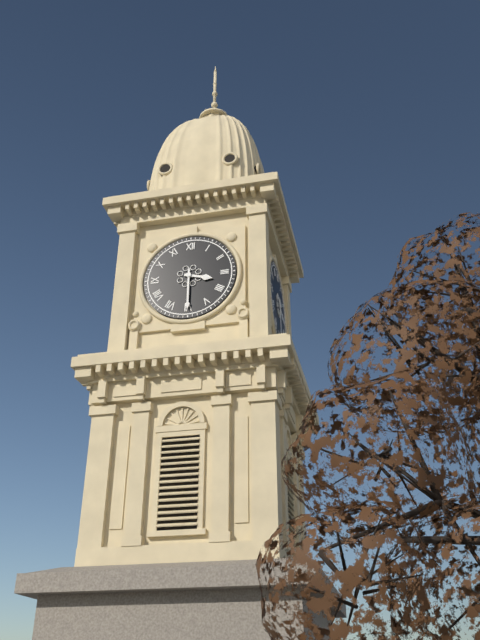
3:30
